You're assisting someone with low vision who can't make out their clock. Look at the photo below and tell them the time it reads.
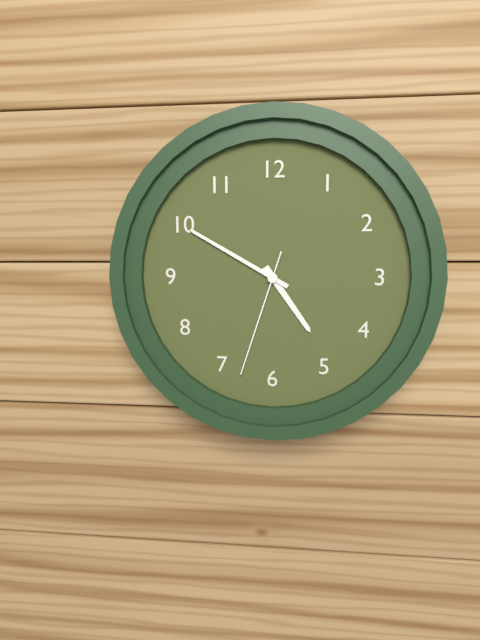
4:50:33
